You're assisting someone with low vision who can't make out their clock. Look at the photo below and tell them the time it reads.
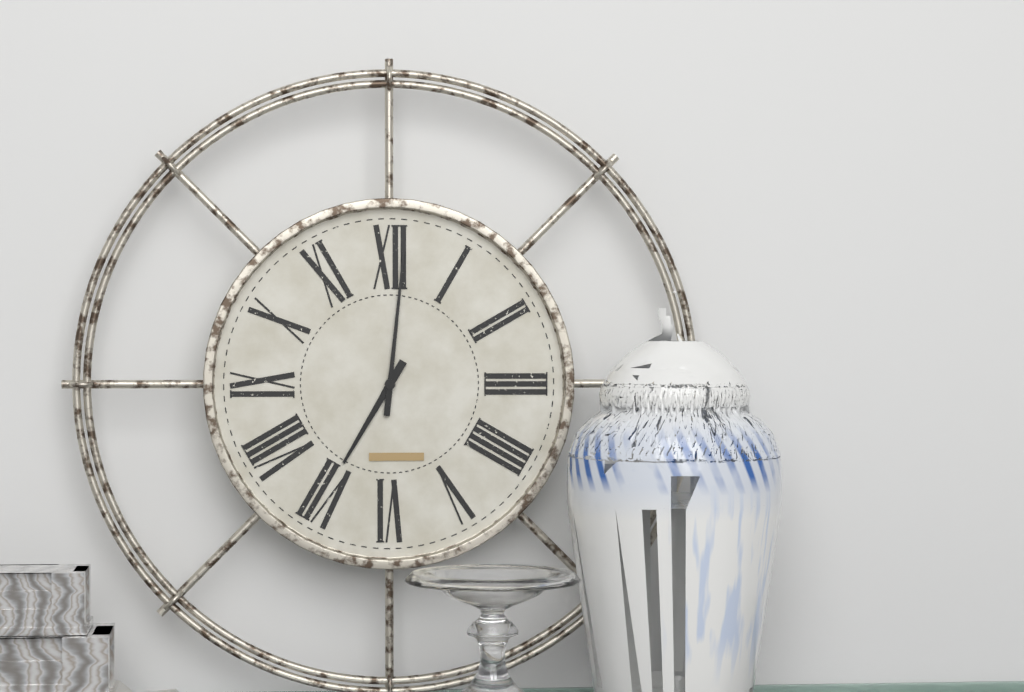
7:01
